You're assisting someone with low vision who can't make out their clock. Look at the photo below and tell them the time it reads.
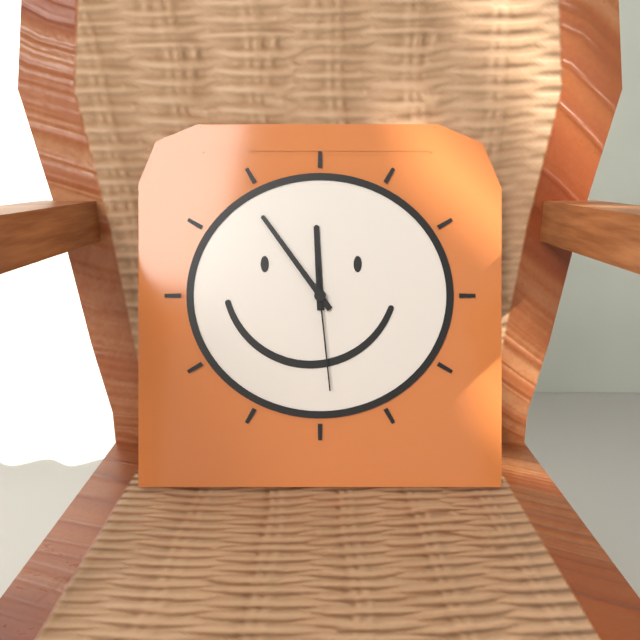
11:54:29
